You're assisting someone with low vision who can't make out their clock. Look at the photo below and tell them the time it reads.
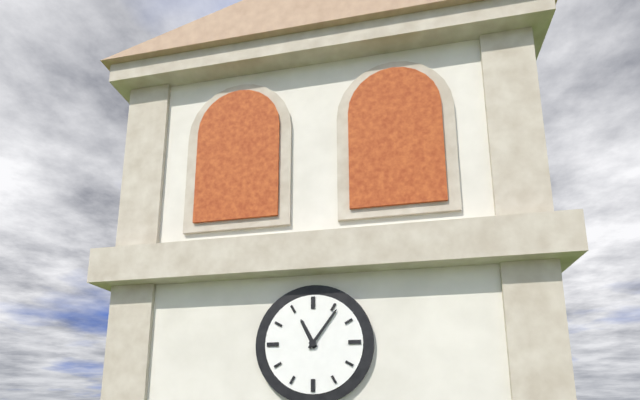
11:06
